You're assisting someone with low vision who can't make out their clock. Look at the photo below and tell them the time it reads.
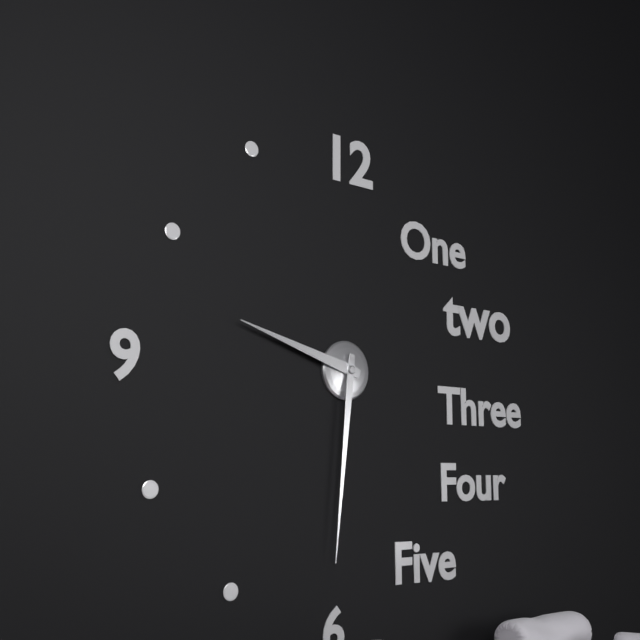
9:31
